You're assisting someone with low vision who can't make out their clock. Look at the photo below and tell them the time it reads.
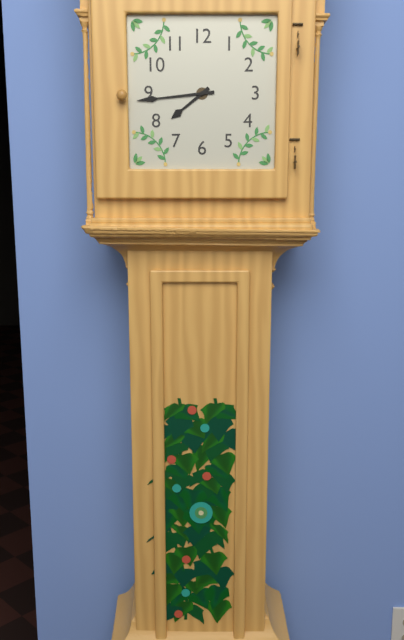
7:44
